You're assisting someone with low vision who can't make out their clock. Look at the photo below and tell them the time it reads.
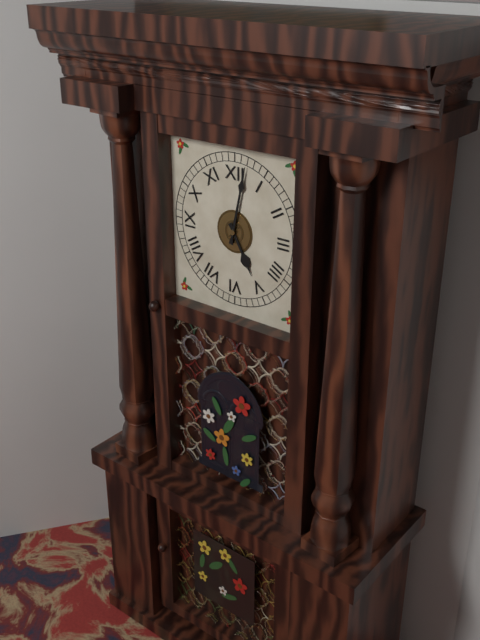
5:02
